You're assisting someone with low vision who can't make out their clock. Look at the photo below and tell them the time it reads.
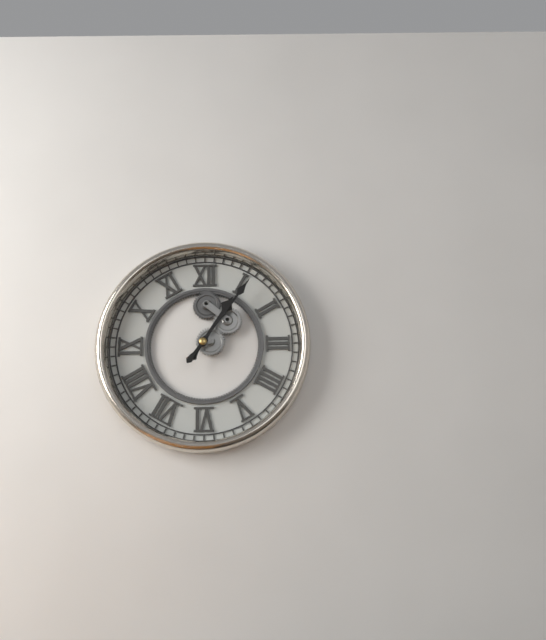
1:06
